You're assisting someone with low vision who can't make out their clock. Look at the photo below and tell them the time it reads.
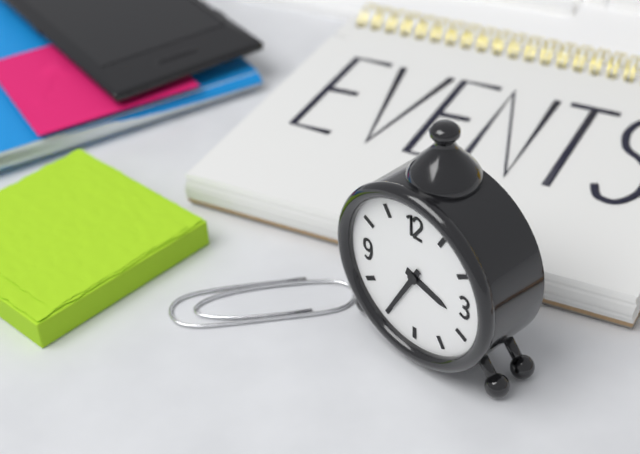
3:35
